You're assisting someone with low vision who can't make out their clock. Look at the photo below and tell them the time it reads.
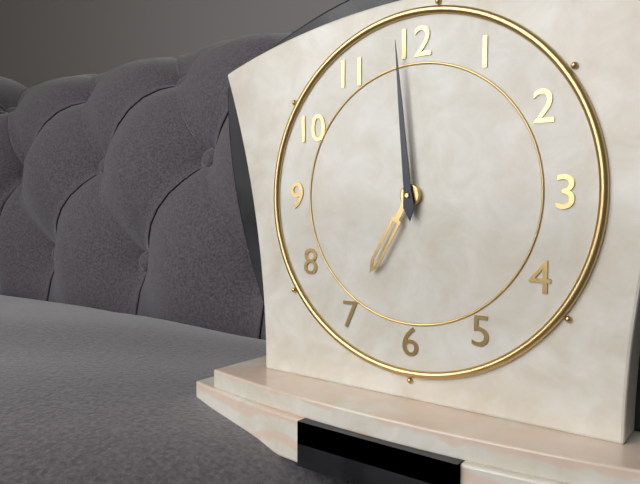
6:59
